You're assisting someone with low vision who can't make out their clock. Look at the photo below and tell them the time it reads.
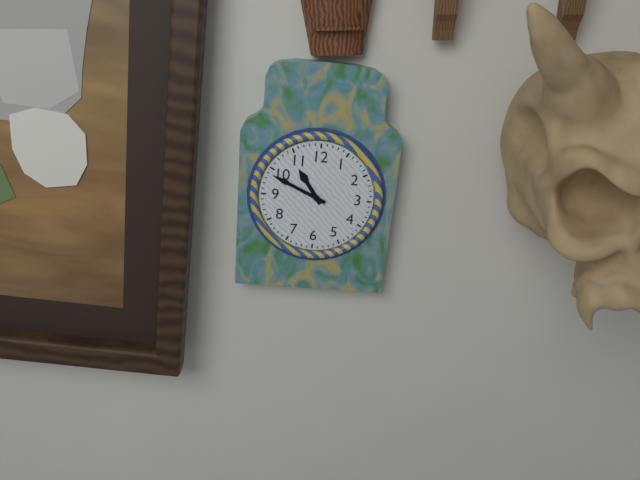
10:49
